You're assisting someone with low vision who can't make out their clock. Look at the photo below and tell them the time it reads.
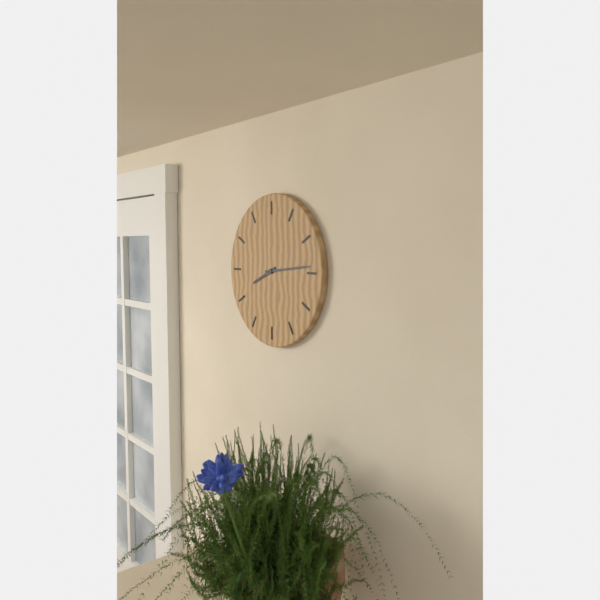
8:14
